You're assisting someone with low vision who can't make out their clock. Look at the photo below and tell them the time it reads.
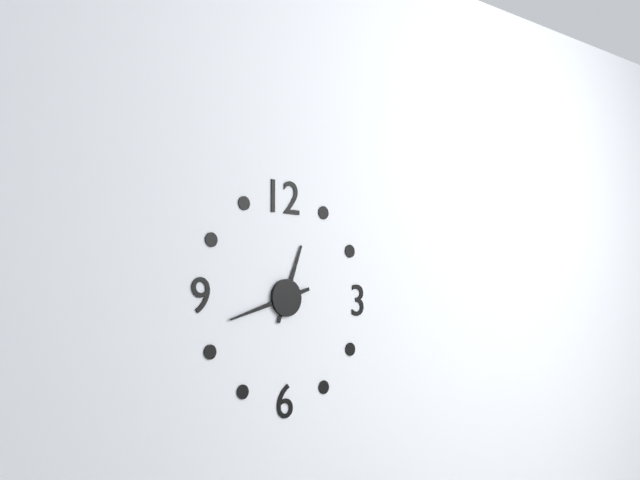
12:42
